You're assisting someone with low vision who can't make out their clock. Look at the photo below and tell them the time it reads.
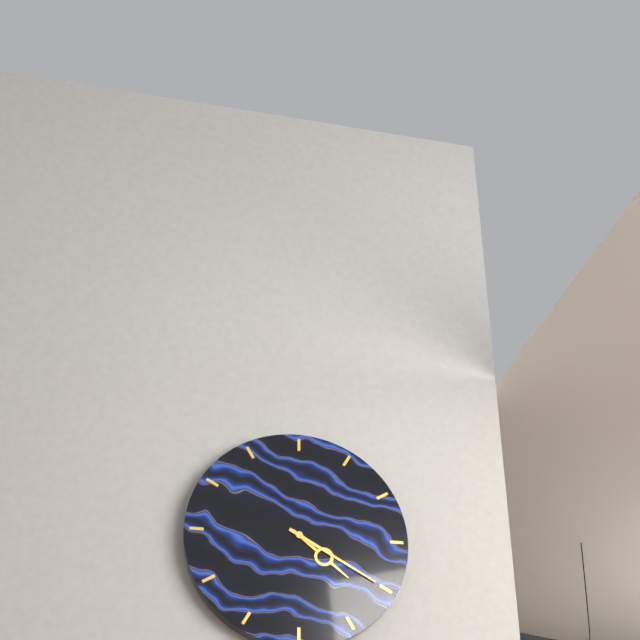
4:20
